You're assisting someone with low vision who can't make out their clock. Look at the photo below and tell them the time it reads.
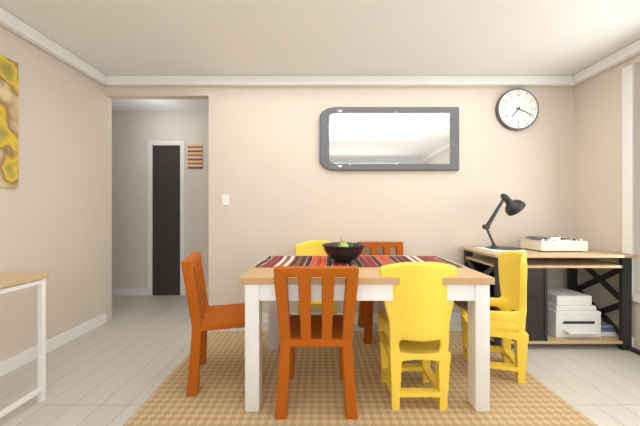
7:19
